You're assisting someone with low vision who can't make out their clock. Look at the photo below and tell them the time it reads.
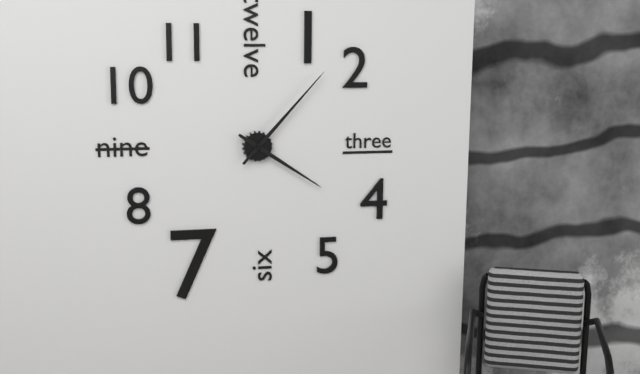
4:07
